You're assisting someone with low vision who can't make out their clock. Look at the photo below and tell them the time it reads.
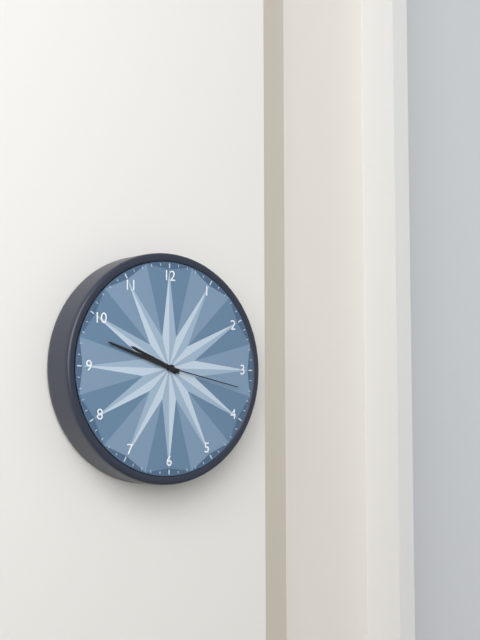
9:48:17
